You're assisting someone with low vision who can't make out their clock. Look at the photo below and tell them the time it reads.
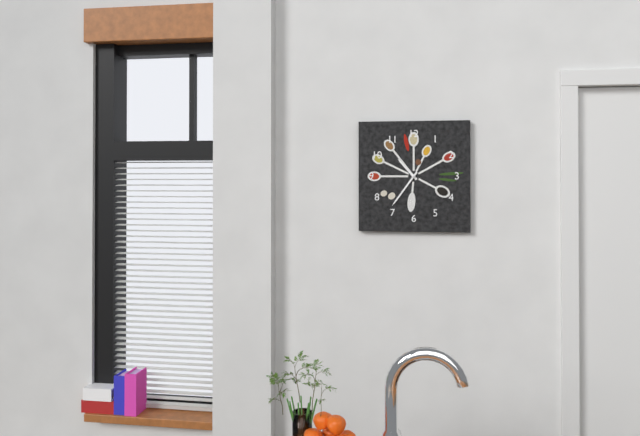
10:36
